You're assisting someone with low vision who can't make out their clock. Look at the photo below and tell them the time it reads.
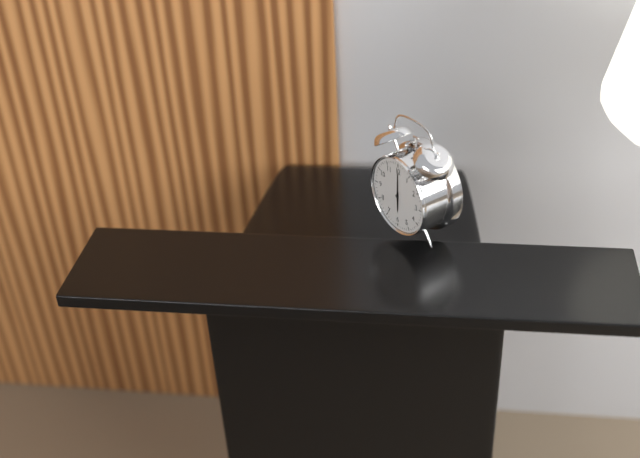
6:00
